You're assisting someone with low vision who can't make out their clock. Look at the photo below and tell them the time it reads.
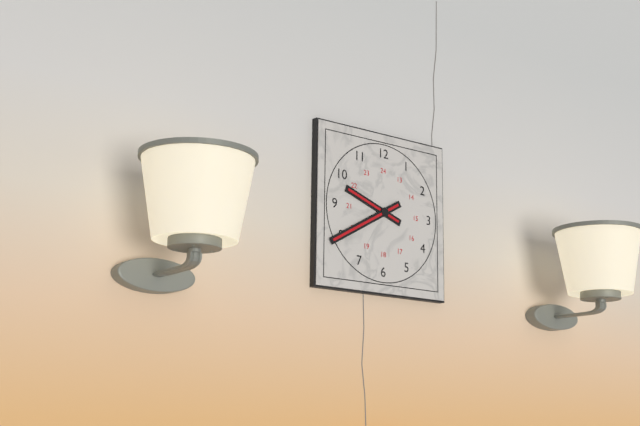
9:40
